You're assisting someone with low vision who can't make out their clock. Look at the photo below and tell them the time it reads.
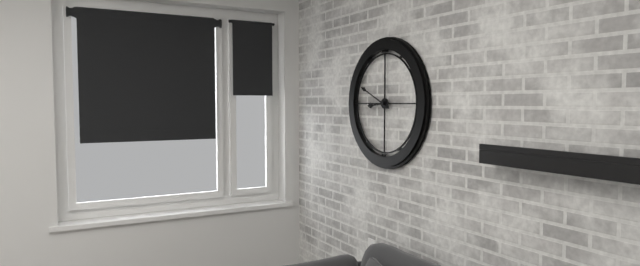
8:49
